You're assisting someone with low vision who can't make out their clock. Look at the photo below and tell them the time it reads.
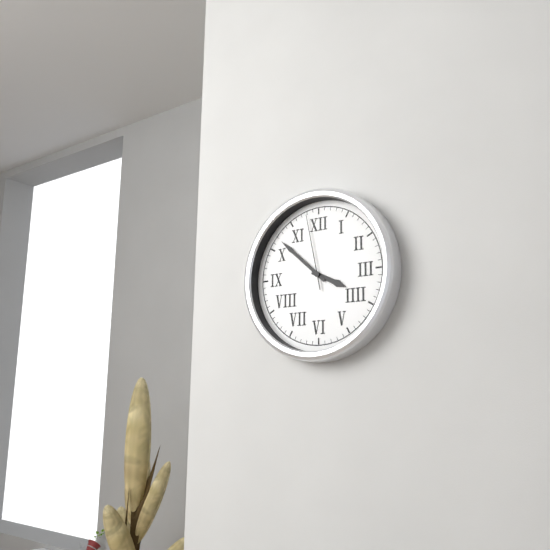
3:52:58
